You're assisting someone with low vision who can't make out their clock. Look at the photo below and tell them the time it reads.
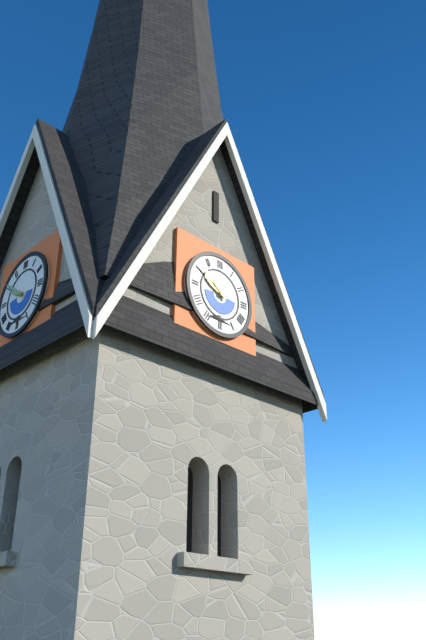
9:51
